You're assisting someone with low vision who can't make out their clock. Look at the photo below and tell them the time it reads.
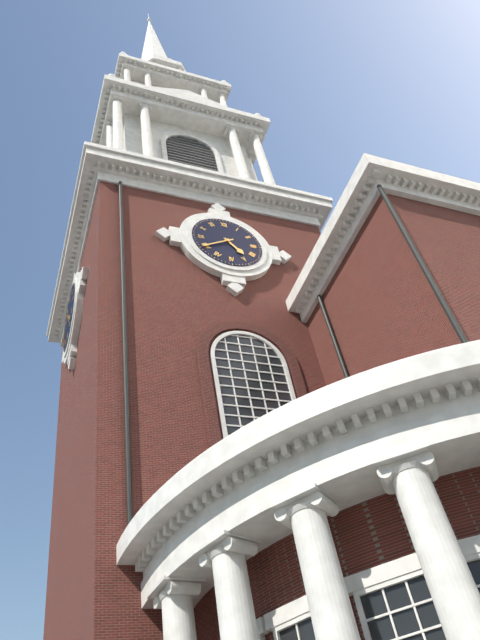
4:40
